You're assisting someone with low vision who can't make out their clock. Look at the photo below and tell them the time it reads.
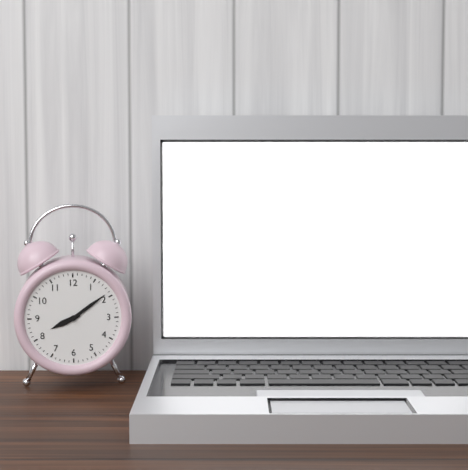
8:09
